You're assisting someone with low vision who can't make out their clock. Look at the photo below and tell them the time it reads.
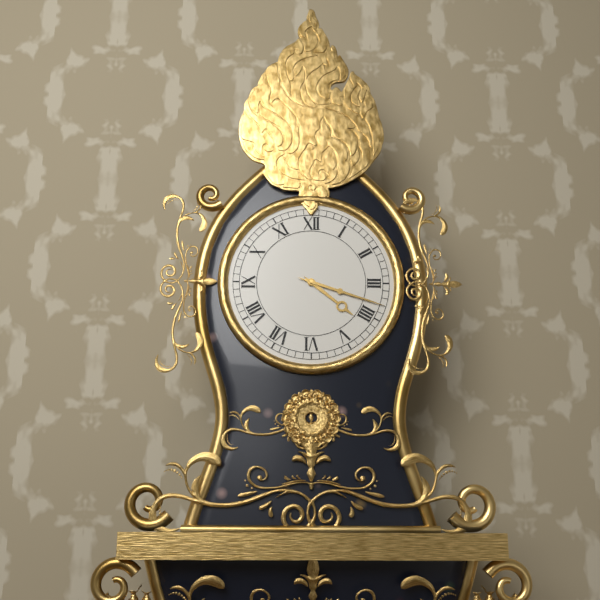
4:18
